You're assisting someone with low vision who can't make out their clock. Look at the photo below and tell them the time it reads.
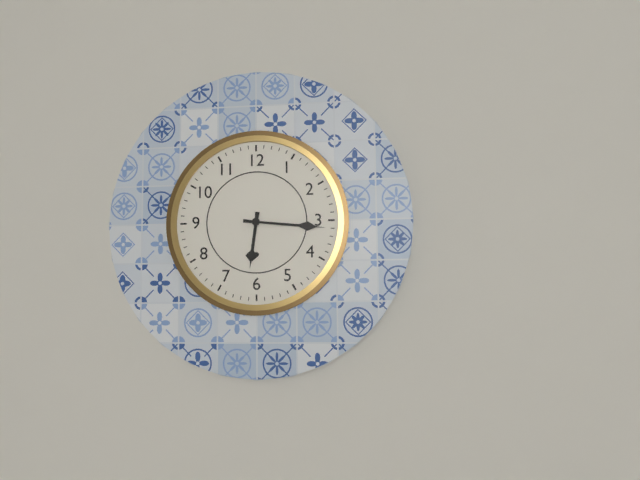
6:16
